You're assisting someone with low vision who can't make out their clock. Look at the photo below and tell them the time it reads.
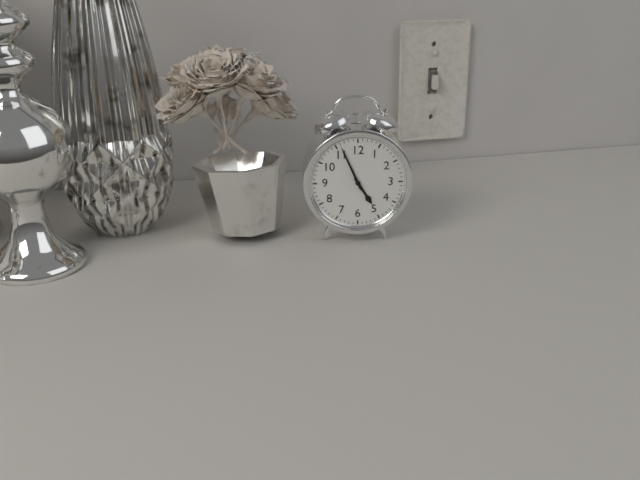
4:56
